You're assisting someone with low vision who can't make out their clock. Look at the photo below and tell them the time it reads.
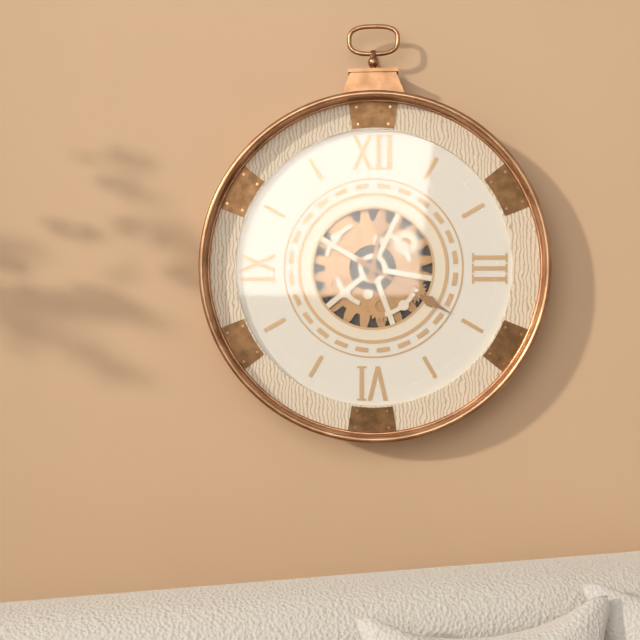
12:20
